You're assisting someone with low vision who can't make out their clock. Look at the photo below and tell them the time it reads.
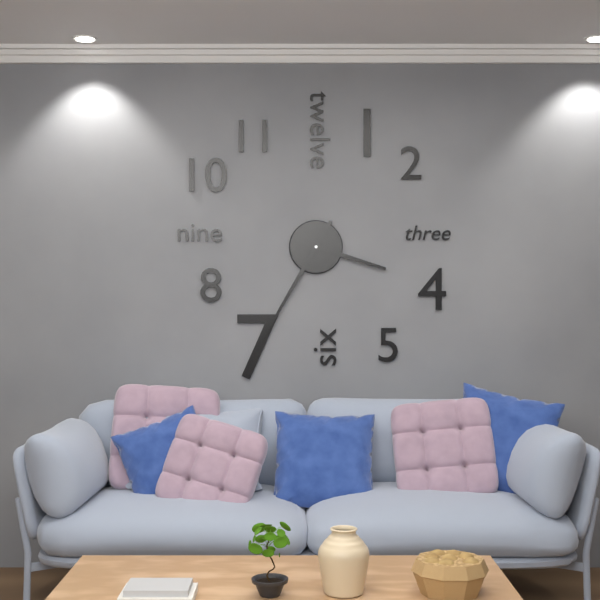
3:35
